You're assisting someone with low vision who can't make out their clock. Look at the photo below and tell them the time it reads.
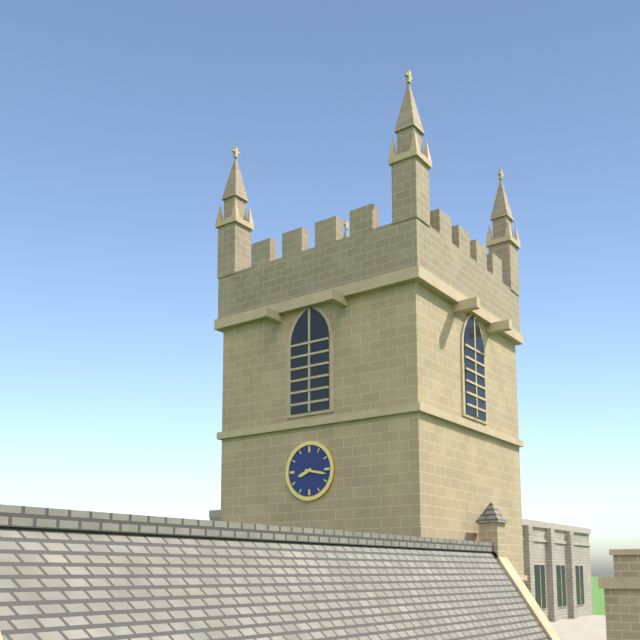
8:17
